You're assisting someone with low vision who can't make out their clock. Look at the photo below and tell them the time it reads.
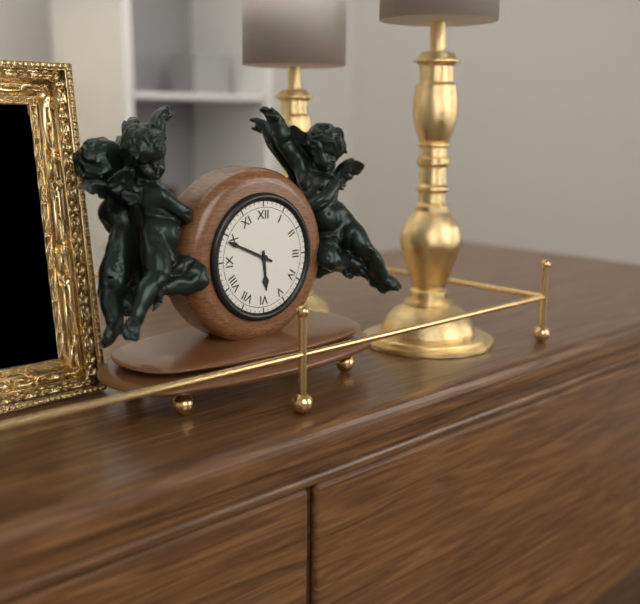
5:49
